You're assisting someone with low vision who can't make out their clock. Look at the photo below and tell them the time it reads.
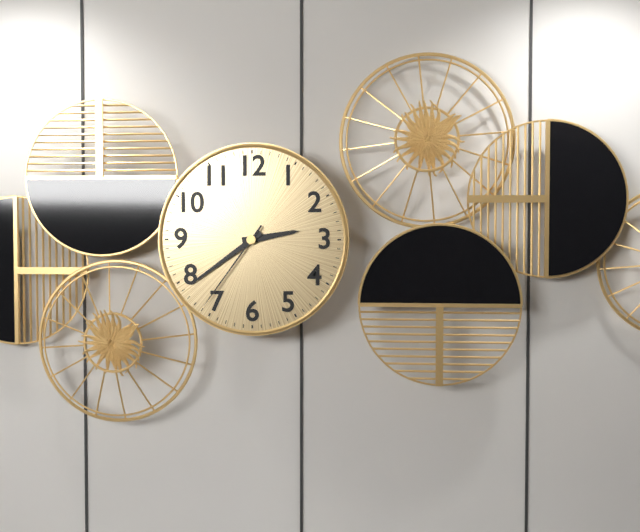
2:39:36
